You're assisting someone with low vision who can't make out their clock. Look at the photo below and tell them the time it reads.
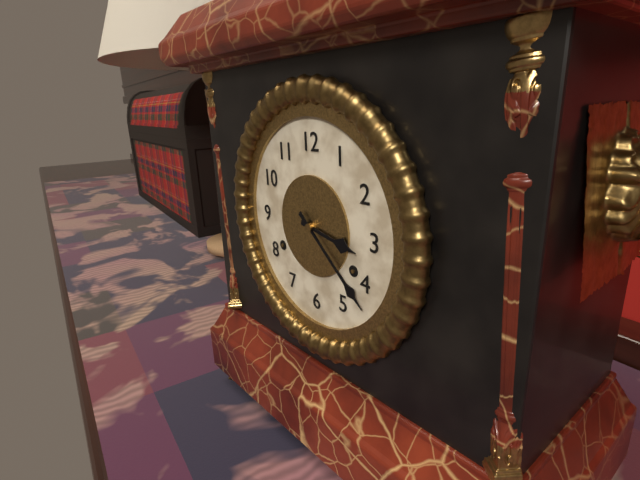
3:22
